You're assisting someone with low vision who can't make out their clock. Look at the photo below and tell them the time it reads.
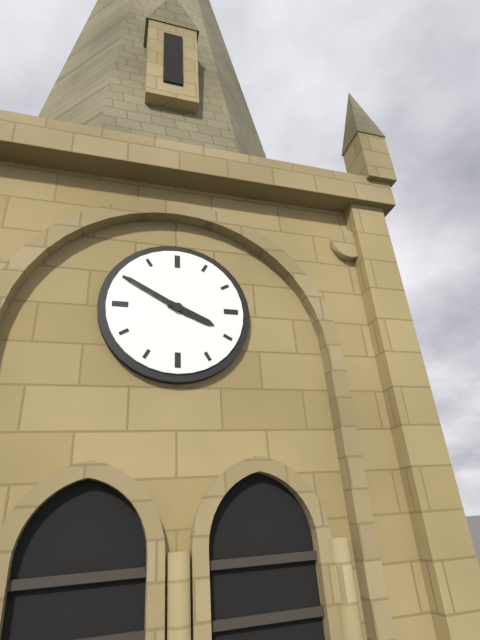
3:50
